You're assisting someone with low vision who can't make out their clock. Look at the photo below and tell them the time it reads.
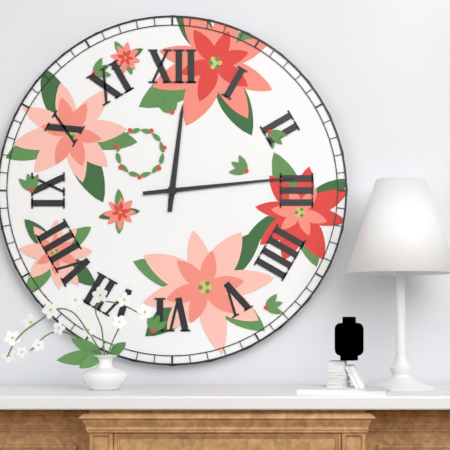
12:14
